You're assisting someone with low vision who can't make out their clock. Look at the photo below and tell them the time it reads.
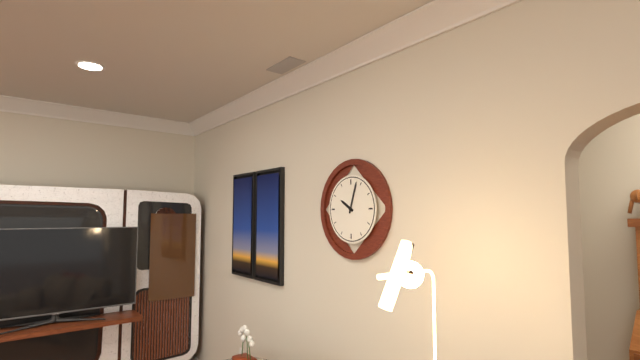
10:03
